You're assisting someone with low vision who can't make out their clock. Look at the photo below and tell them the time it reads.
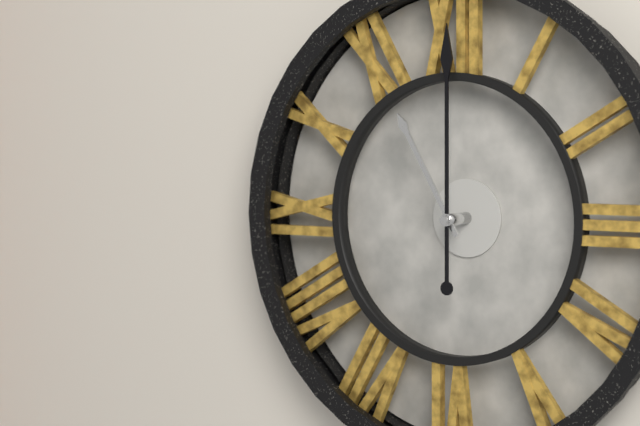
11:00
